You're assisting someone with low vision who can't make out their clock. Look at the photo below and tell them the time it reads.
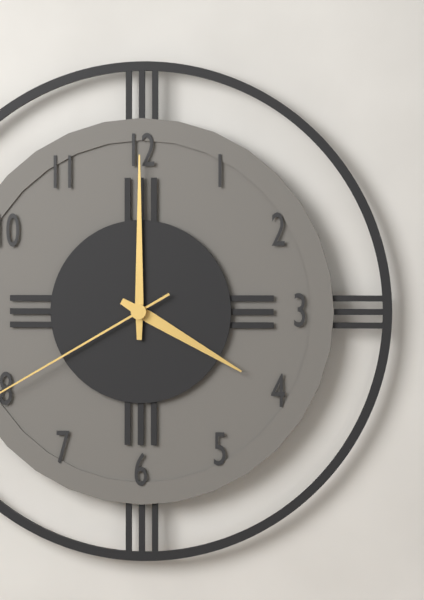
4:00
